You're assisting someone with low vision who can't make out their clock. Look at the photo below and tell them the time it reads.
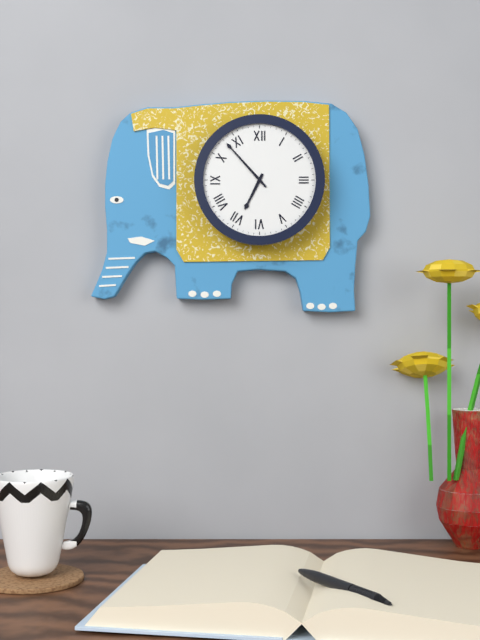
6:53
